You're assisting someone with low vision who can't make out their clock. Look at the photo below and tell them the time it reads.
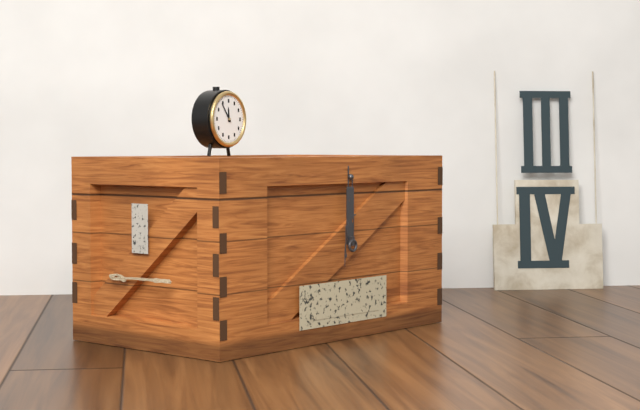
11:54
